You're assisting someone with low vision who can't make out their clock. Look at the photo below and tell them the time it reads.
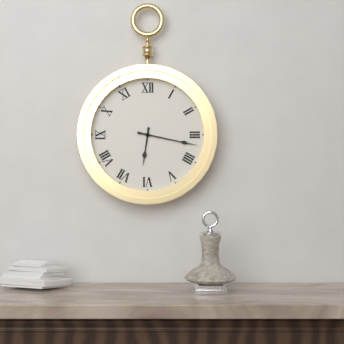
6:17
